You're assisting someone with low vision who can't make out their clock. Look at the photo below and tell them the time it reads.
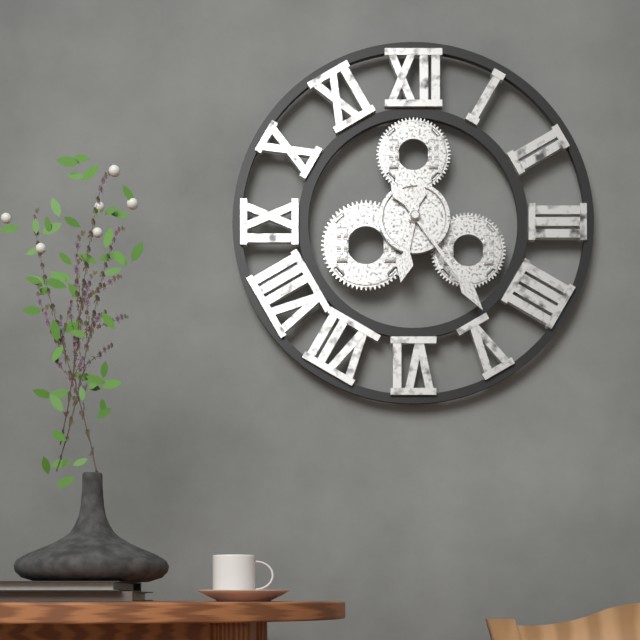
6:24
